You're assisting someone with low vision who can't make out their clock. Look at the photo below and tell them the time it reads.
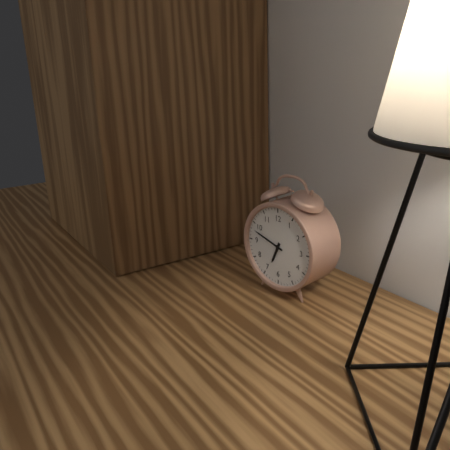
6:48
